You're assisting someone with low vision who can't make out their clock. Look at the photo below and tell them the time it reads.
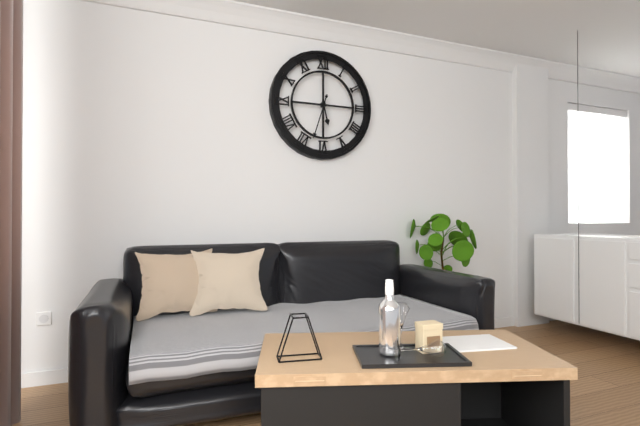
5:33
